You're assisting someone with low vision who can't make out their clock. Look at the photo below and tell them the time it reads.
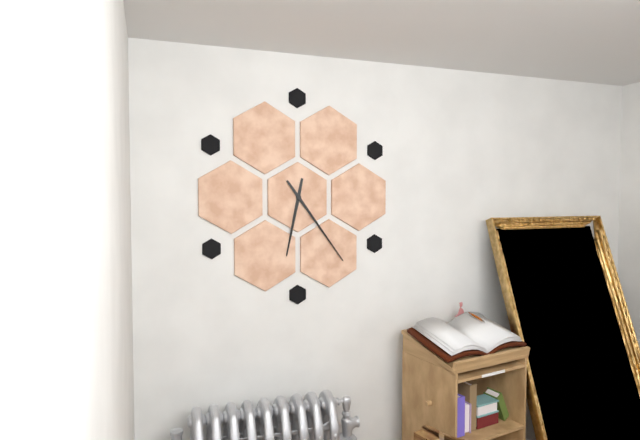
6:24
